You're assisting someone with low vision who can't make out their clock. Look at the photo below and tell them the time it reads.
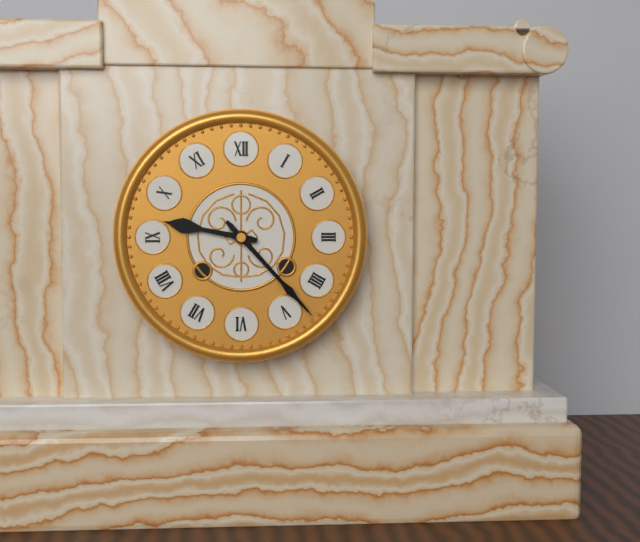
9:23
